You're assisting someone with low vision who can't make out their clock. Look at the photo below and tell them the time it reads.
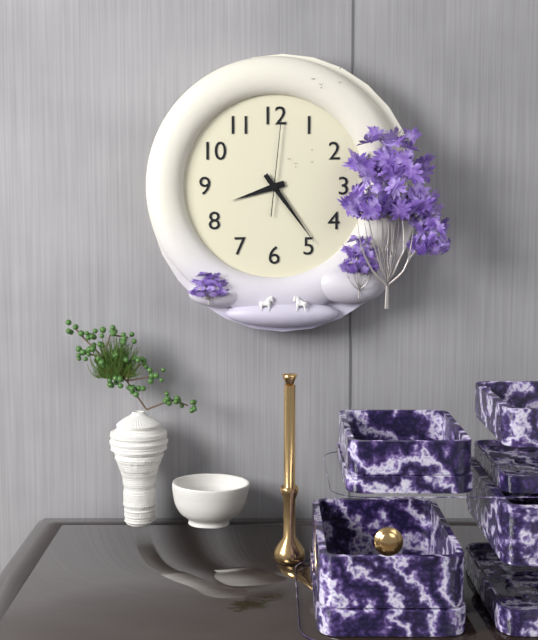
8:24:01
